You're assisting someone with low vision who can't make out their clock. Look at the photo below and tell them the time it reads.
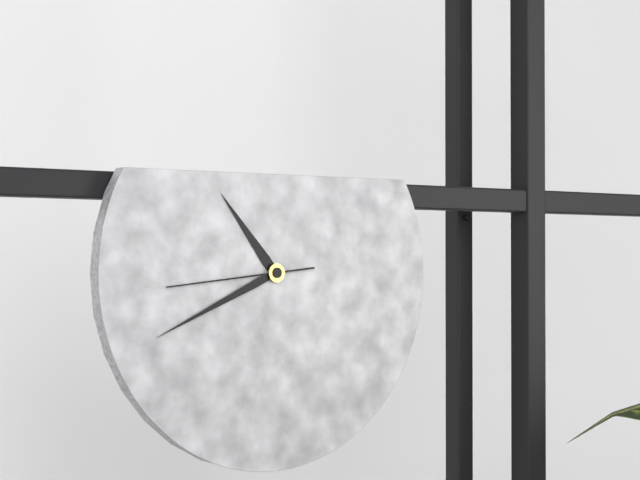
10:41:44
